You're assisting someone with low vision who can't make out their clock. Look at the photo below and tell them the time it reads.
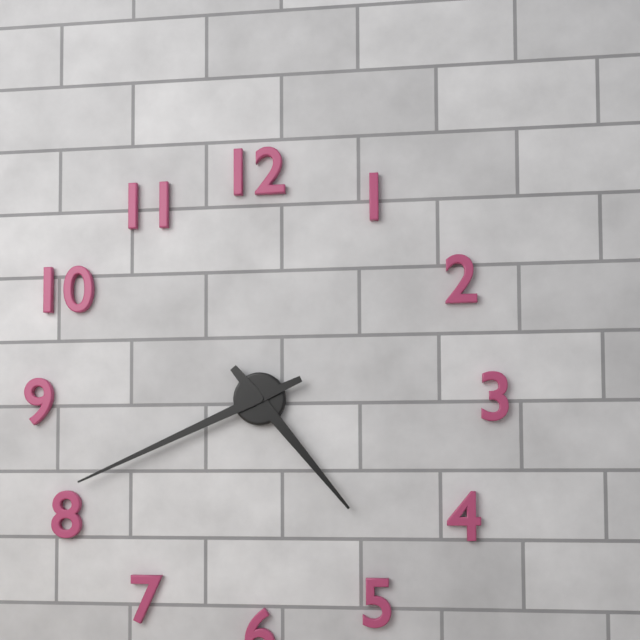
4:41
